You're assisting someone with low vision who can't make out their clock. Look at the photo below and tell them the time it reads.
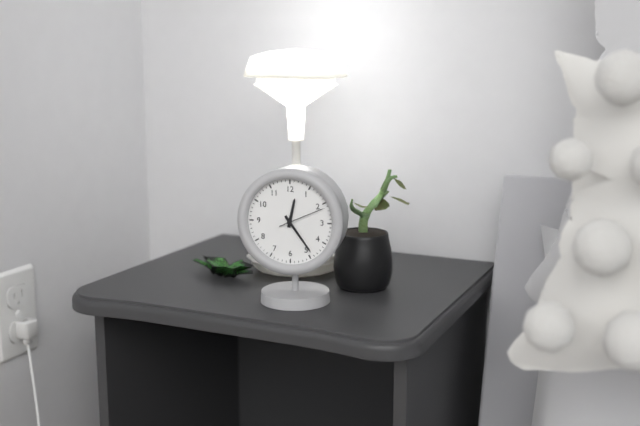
12:24
